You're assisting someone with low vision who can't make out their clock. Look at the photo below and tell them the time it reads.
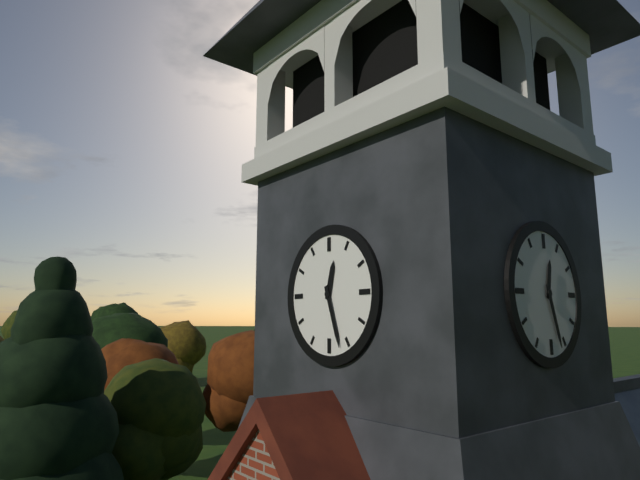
12:27
